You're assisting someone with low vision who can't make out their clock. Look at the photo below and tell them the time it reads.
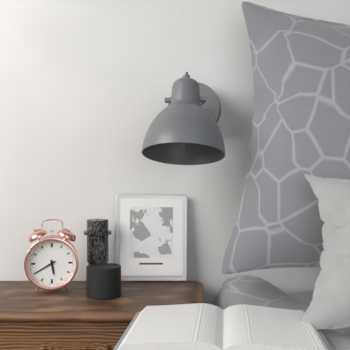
5:40
